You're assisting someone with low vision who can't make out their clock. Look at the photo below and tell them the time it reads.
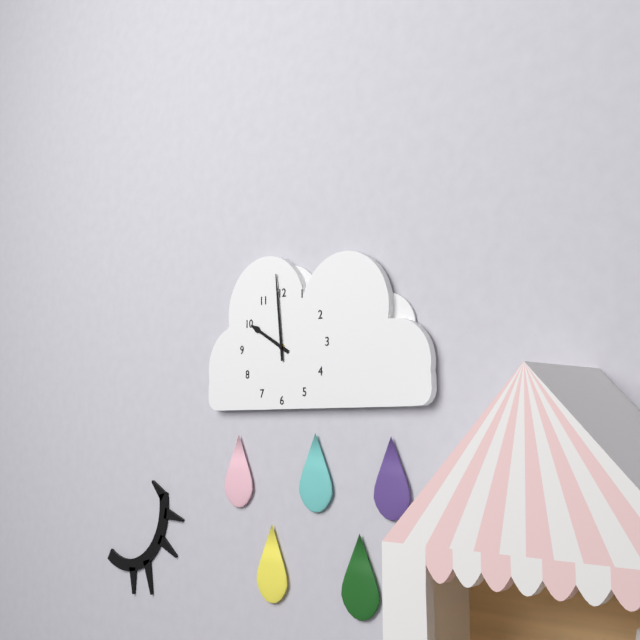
9:59
